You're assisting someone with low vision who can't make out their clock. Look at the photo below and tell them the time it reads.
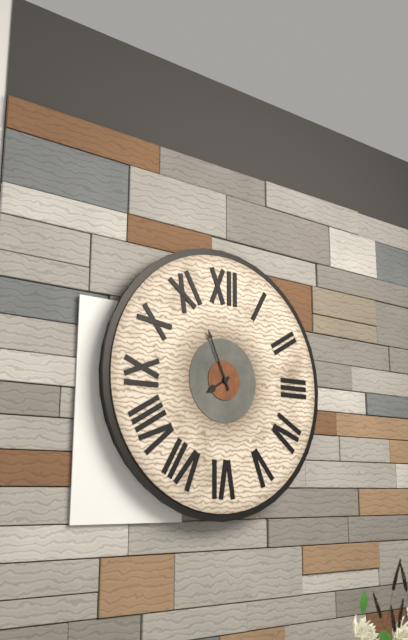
7:56
